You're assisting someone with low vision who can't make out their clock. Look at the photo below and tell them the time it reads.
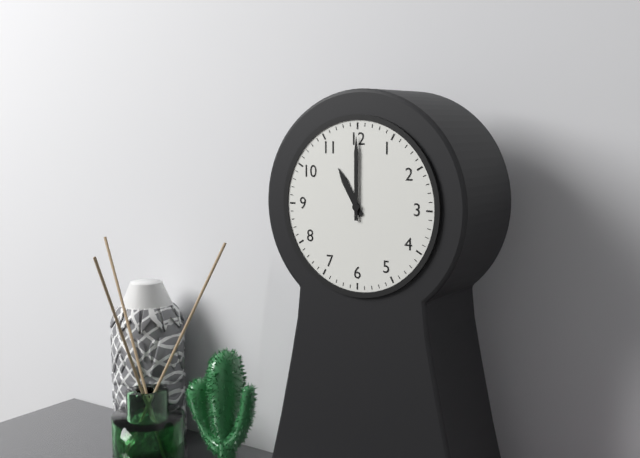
11:00
